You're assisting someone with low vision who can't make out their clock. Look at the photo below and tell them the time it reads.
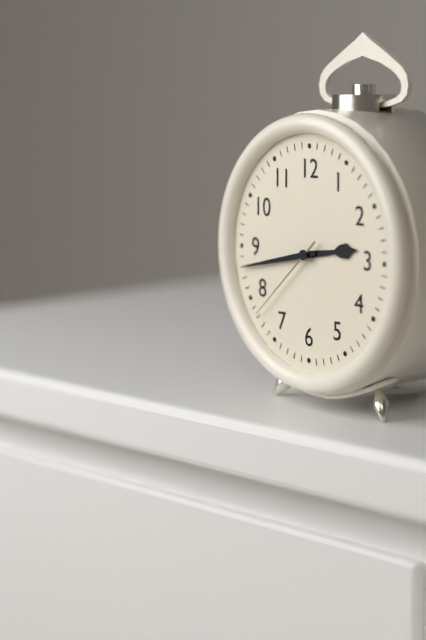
2:43:38
